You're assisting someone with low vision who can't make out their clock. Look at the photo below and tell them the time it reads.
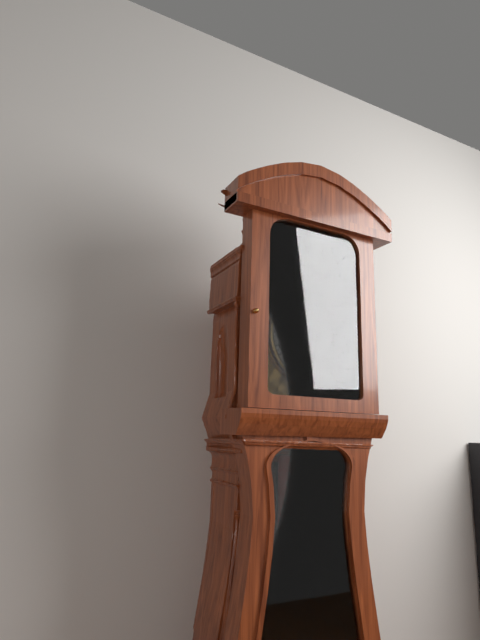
5:36
